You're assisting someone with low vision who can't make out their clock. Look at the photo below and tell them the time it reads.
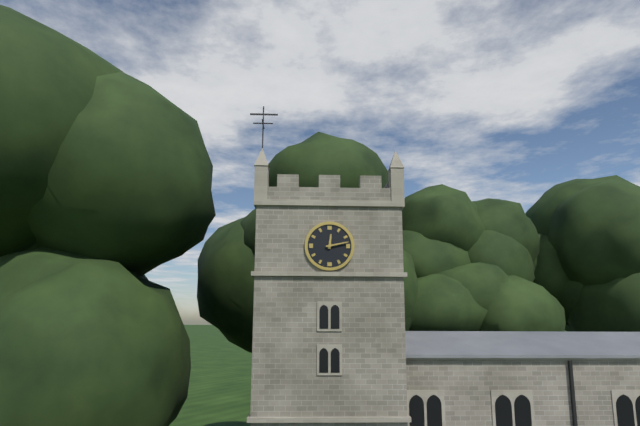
12:13
